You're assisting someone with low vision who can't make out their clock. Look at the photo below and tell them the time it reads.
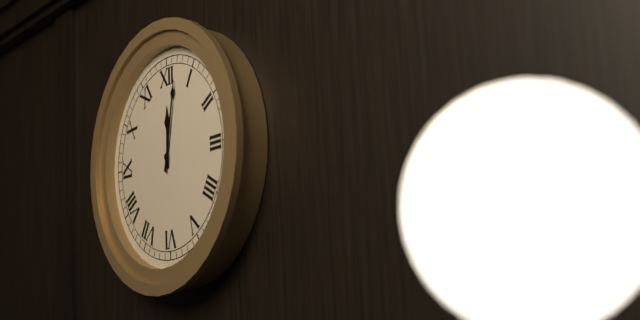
12:02
